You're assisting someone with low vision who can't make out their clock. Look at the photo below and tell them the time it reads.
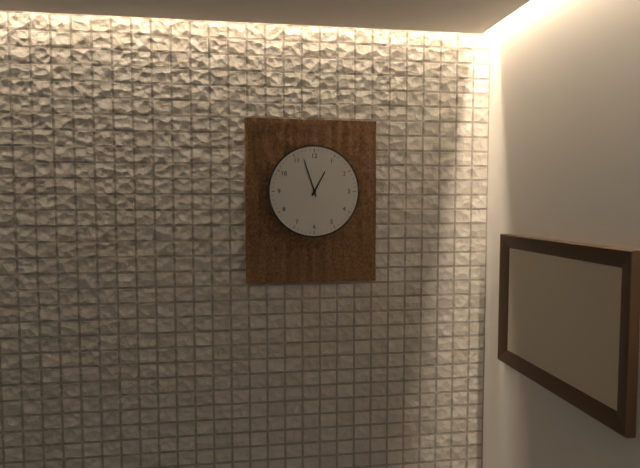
12:57
